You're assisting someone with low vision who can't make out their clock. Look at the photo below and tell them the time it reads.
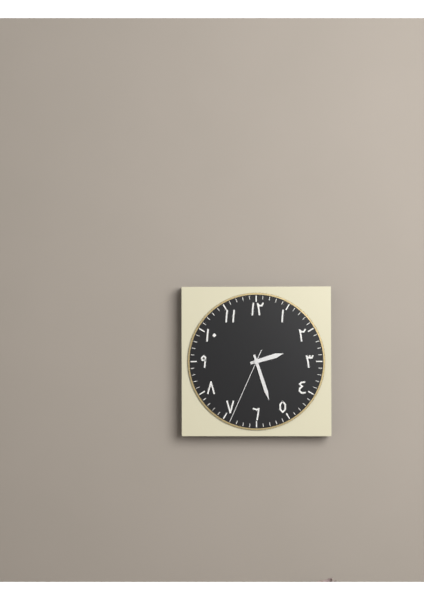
2:27:34
